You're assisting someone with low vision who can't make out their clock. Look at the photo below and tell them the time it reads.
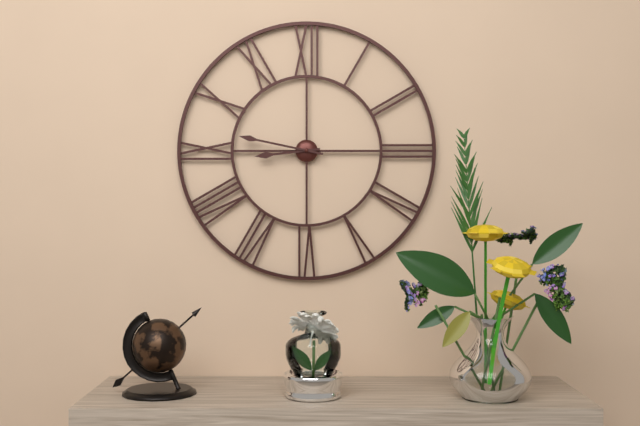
8:47
